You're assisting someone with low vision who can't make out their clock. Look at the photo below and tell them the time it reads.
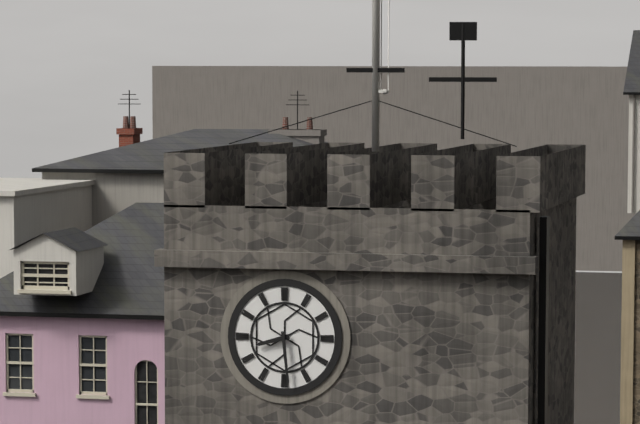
8:29
